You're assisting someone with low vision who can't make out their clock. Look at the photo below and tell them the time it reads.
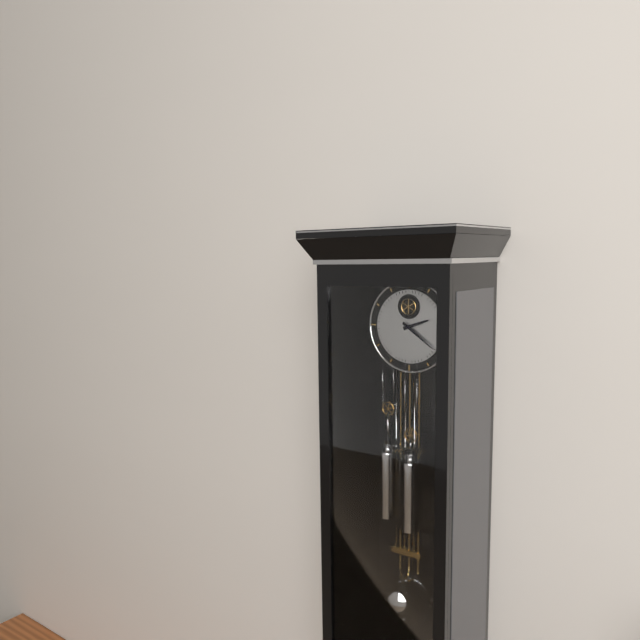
2:21
